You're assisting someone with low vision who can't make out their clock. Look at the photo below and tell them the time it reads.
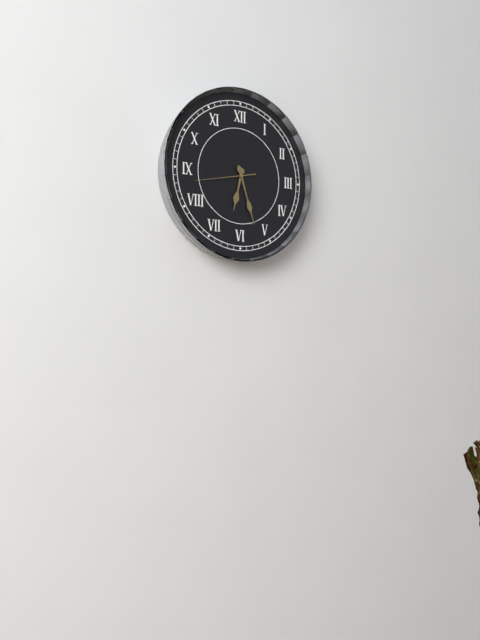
6:27
